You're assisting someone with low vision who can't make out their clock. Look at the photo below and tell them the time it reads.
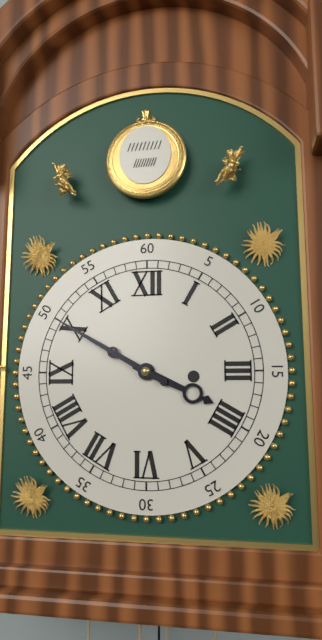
3:50
